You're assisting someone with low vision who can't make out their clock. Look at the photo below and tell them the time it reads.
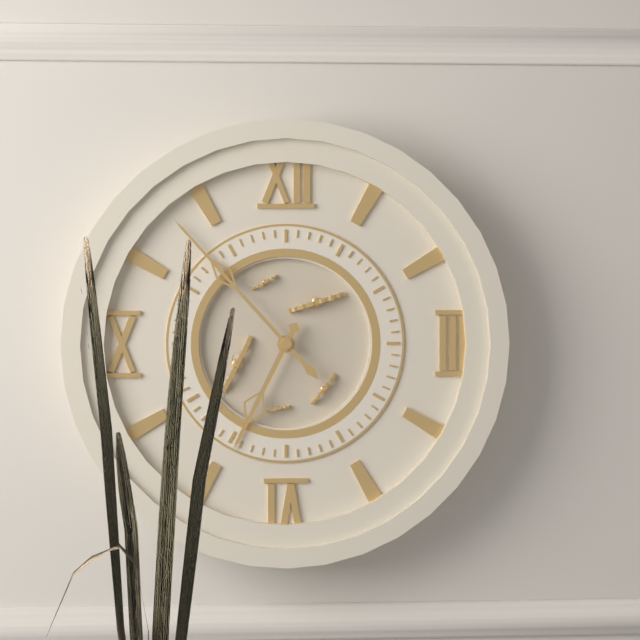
6:53
